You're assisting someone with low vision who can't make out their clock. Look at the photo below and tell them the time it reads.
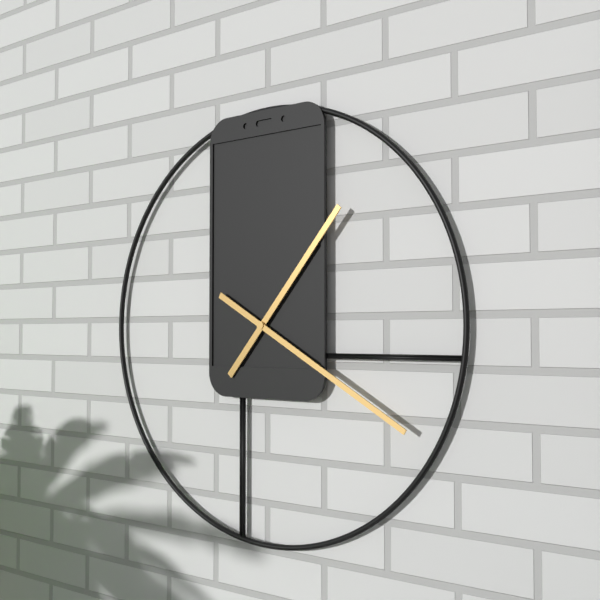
1:20
